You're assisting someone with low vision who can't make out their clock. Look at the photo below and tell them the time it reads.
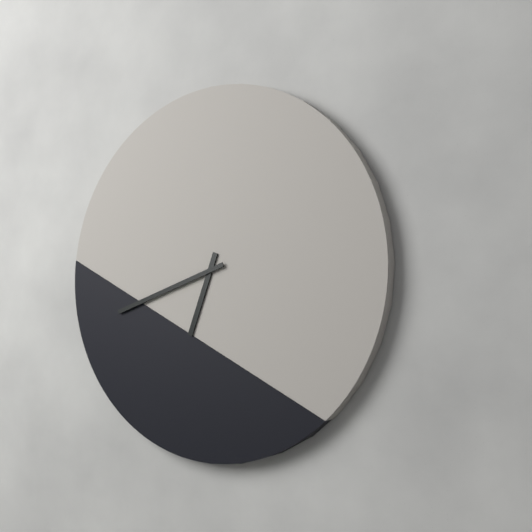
6:42
